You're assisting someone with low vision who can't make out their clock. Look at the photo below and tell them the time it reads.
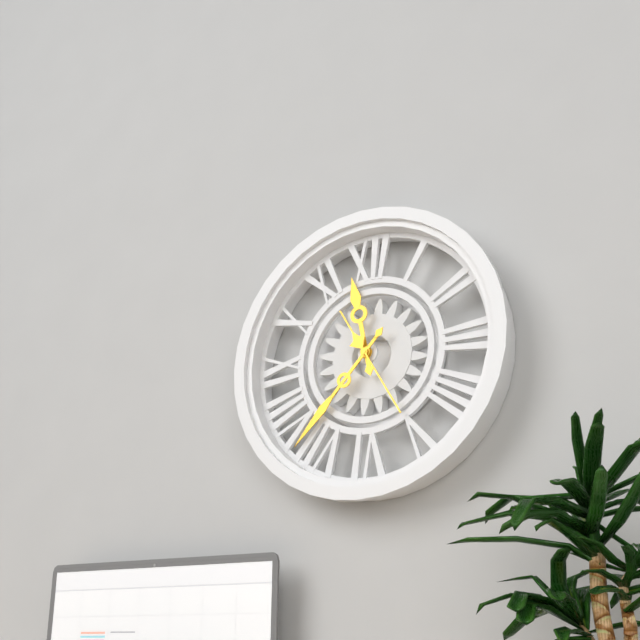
11:37:25
